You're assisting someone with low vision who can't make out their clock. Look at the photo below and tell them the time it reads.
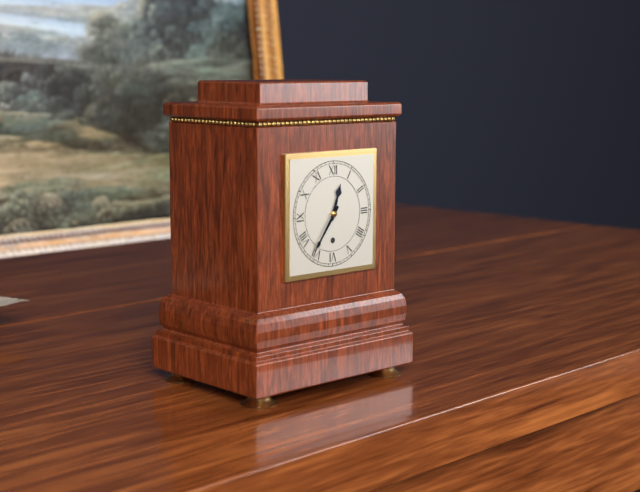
12:36
